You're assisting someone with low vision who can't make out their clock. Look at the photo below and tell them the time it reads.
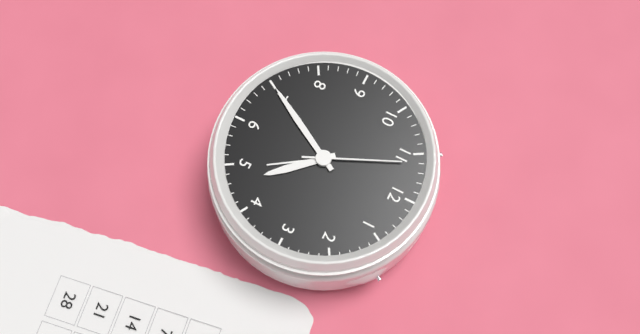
4:35:56
